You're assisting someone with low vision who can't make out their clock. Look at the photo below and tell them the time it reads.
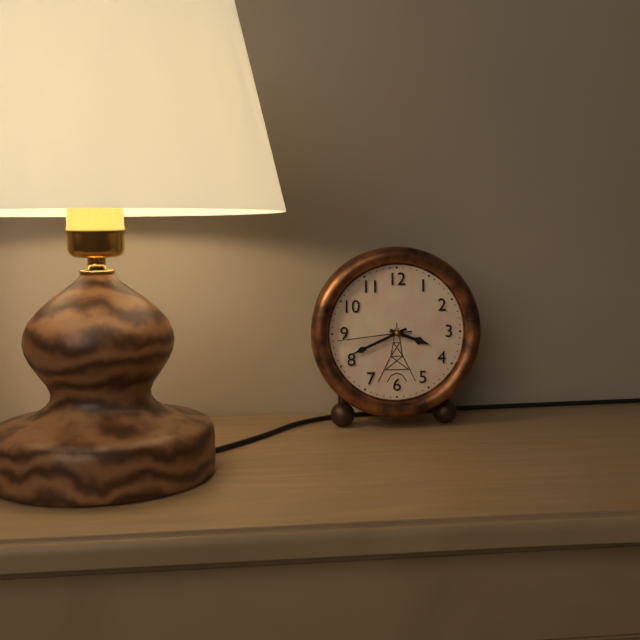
3:41:44
